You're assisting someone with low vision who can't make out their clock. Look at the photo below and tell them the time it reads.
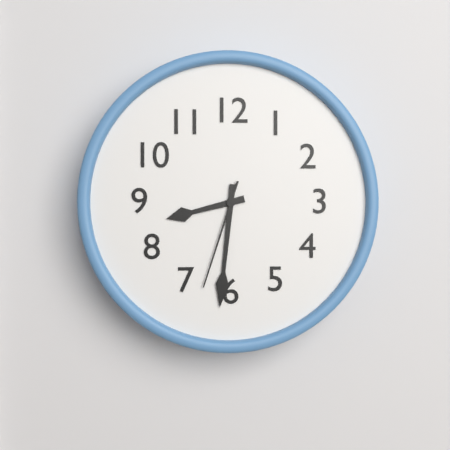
8:31:33
